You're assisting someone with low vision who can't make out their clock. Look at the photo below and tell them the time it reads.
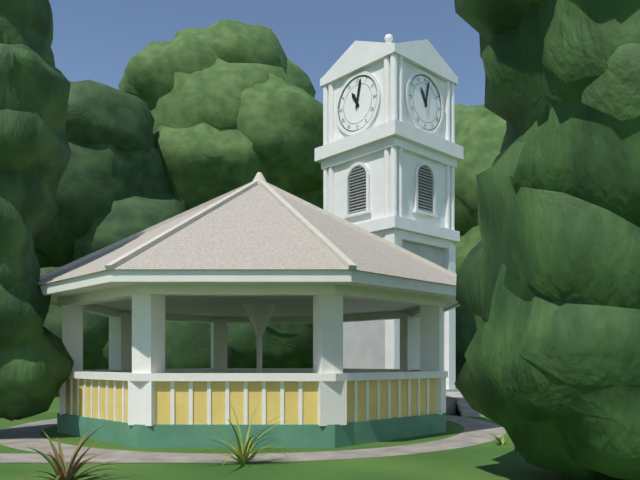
11:02
